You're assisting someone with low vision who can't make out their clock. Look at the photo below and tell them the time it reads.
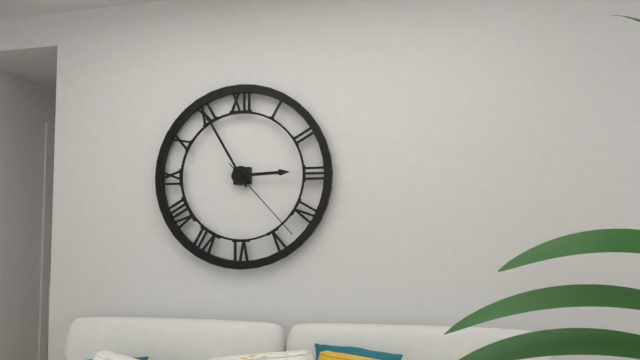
2:55:23
